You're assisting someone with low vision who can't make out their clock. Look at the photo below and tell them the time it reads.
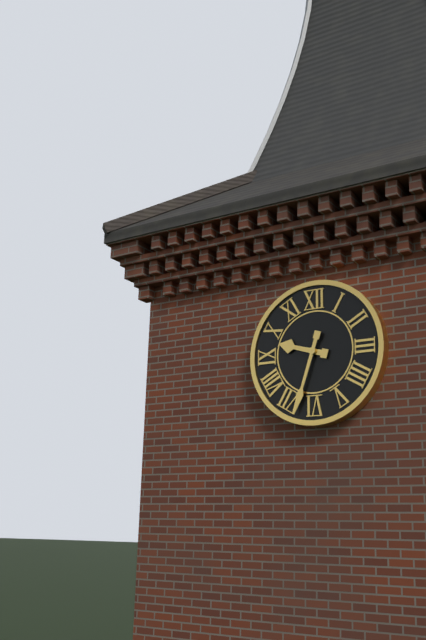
9:33
